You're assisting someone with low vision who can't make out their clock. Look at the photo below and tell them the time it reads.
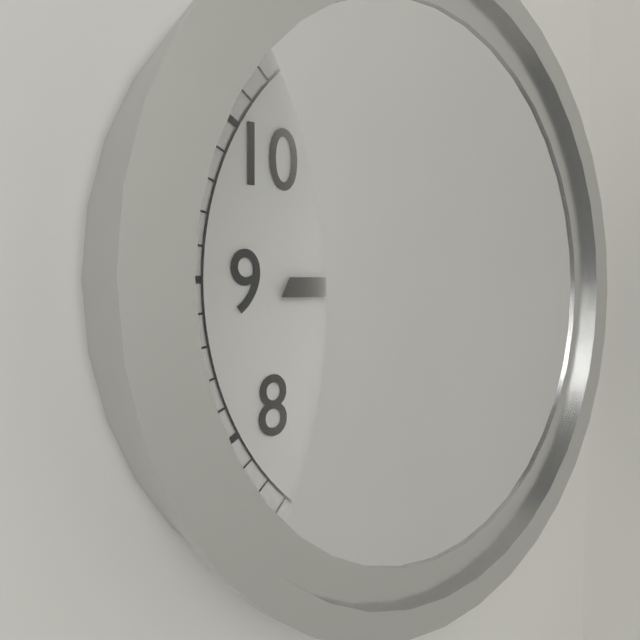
8:57
